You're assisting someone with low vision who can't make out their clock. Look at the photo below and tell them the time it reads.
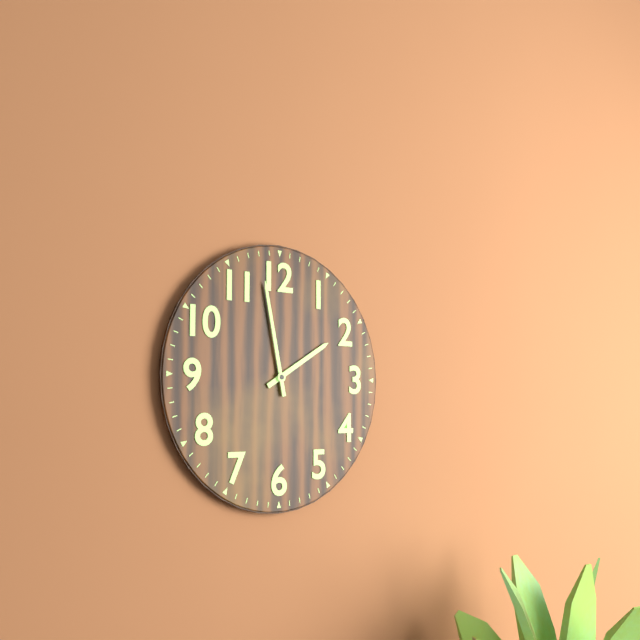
1:58
